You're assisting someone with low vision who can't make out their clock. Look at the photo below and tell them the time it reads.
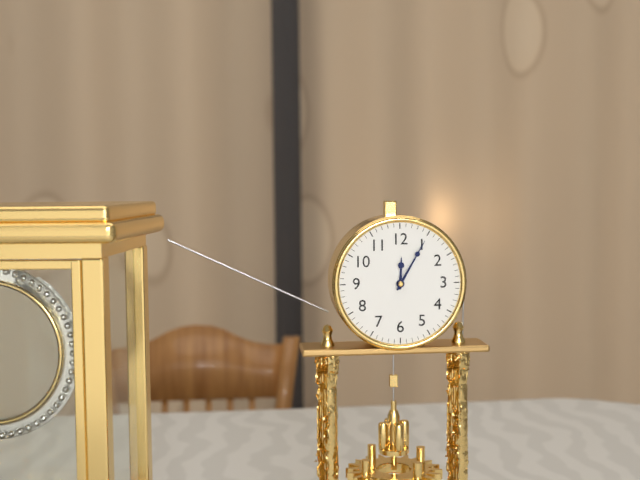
12:05
